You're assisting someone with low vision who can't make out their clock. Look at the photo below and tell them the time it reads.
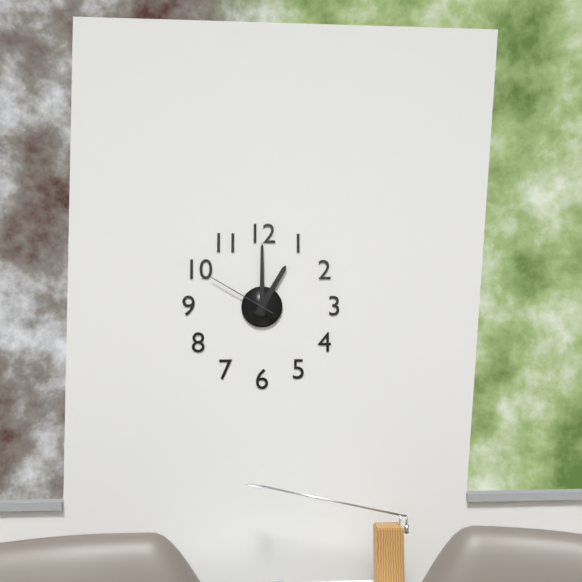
1:00:50
